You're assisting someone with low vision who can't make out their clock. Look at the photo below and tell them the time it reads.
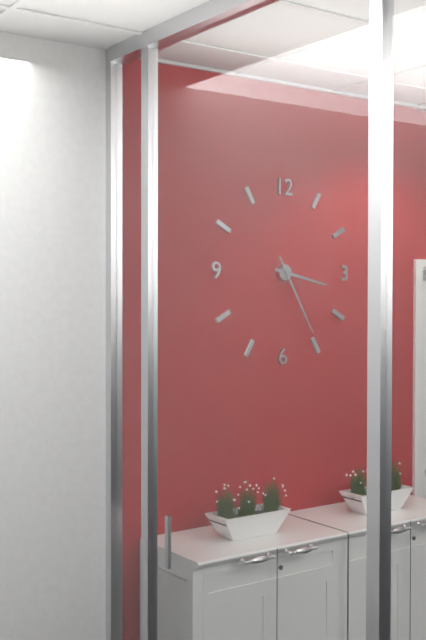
3:25
